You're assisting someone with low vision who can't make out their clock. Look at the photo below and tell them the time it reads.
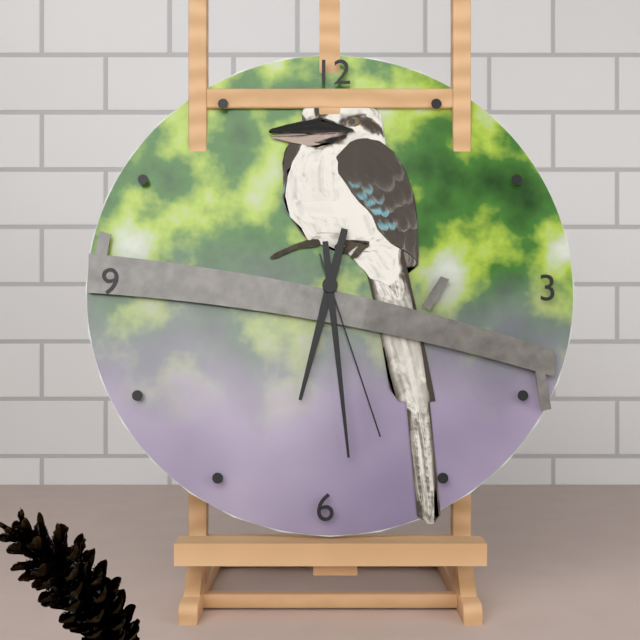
6:29:27
